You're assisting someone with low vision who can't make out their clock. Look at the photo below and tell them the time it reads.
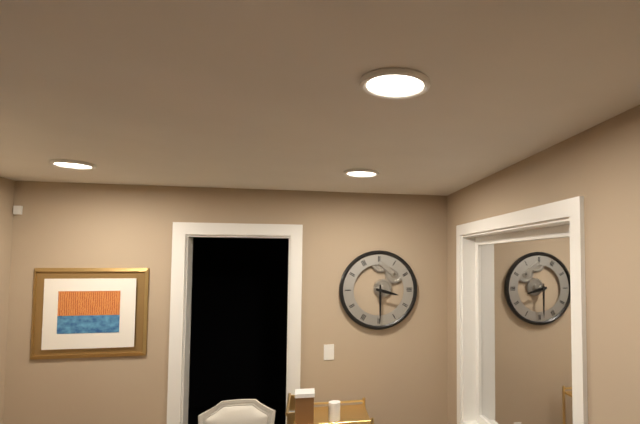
3:30
